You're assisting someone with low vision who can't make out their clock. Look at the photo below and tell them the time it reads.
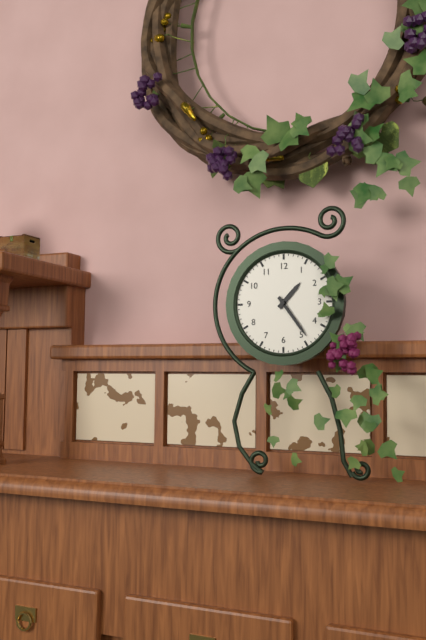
1:24
